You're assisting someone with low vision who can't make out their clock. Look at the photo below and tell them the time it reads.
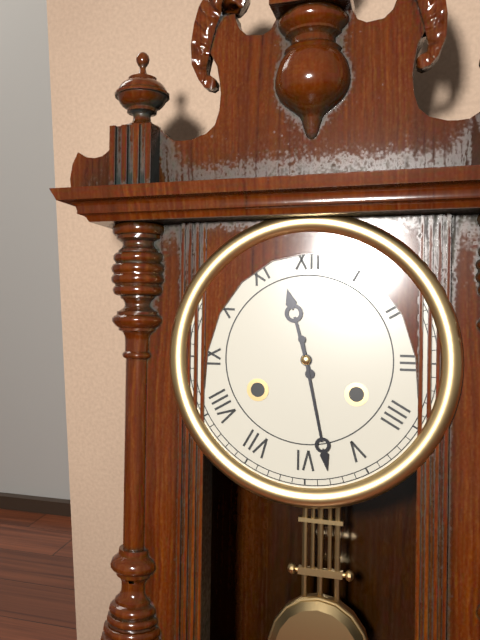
11:28
